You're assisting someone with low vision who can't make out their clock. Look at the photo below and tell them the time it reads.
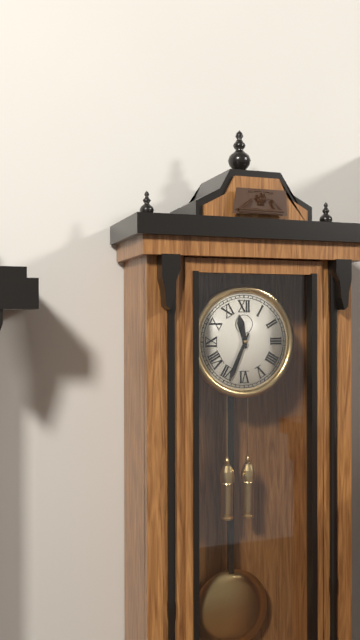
11:34
